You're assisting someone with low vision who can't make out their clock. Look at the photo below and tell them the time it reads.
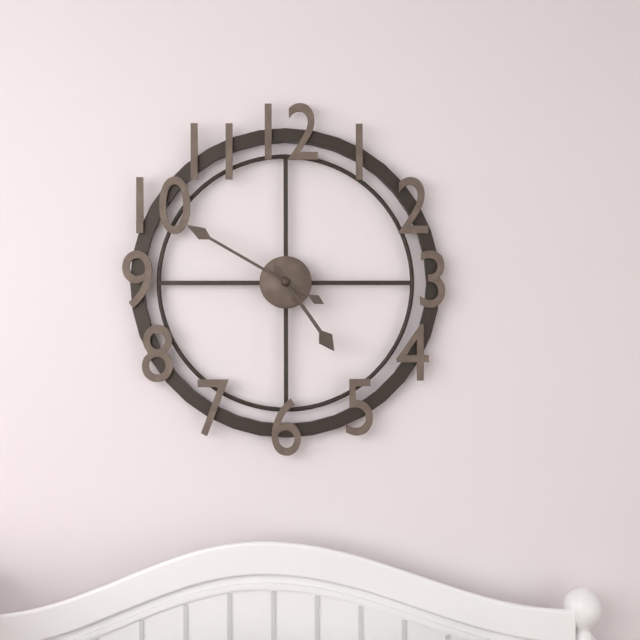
4:50
